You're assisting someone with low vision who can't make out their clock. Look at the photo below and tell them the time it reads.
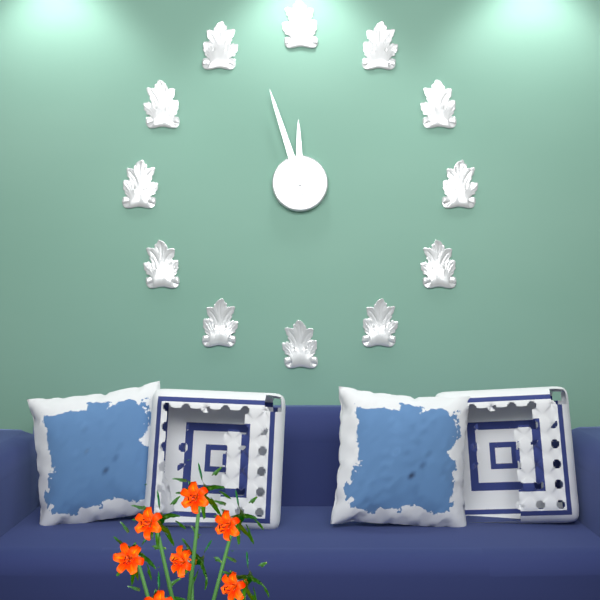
11:57
